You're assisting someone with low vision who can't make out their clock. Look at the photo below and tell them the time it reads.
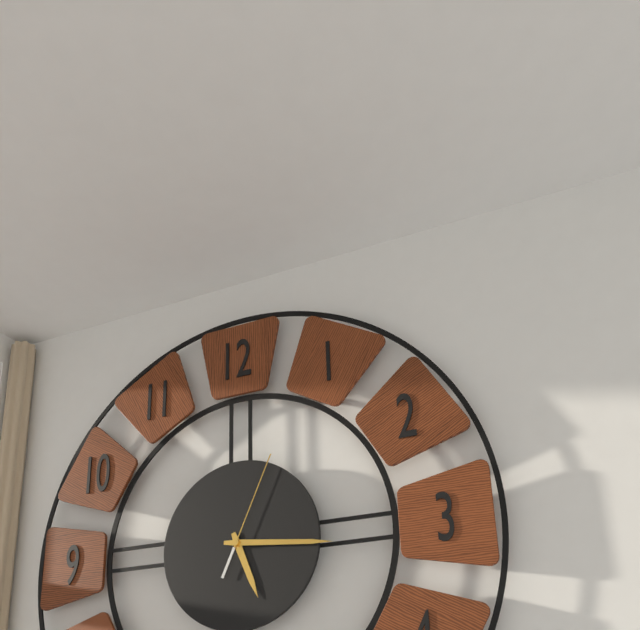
5:16:04
